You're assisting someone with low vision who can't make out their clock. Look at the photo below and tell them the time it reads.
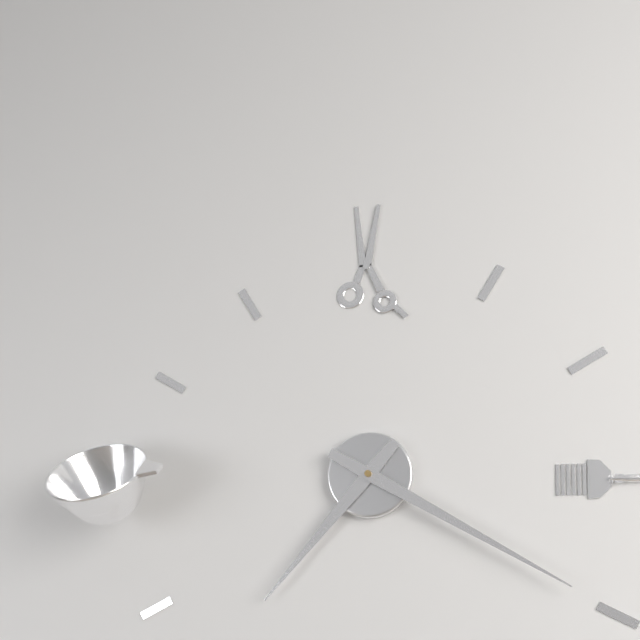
7:20
